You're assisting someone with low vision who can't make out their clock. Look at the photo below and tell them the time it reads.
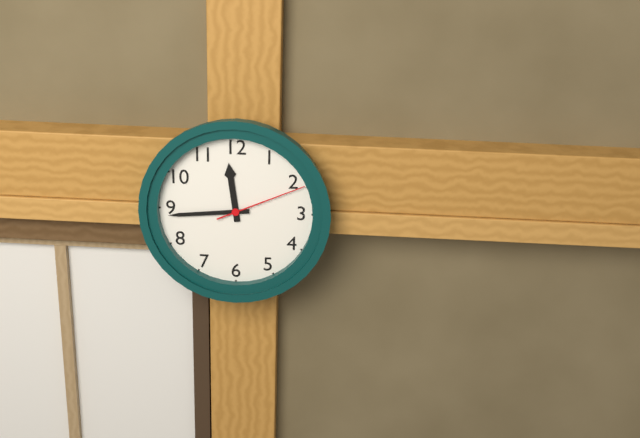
11:44:11
